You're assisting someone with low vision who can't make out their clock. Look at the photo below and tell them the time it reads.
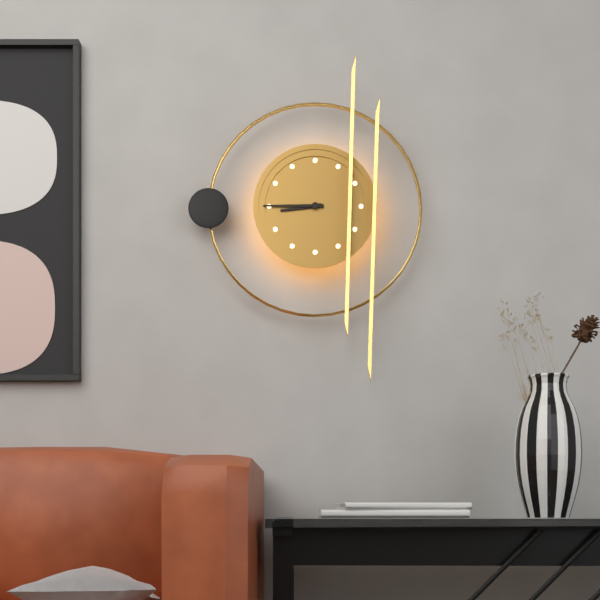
8:45
